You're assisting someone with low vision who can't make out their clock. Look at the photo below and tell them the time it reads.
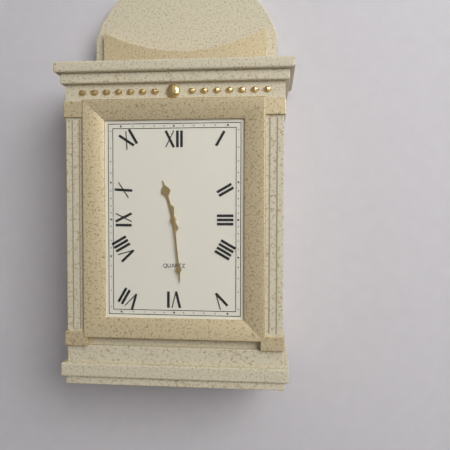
11:29
